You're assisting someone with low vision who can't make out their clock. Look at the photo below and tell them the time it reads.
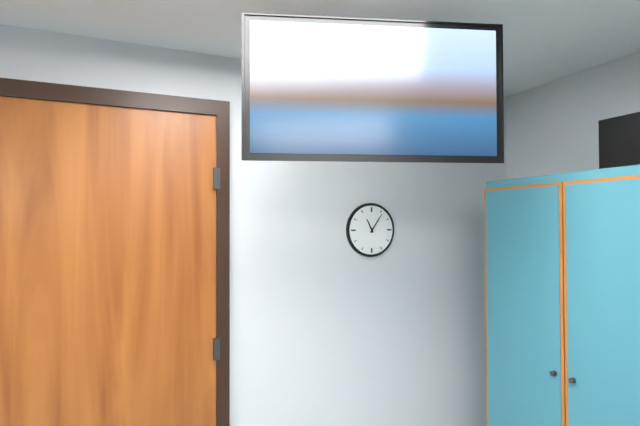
11:06
